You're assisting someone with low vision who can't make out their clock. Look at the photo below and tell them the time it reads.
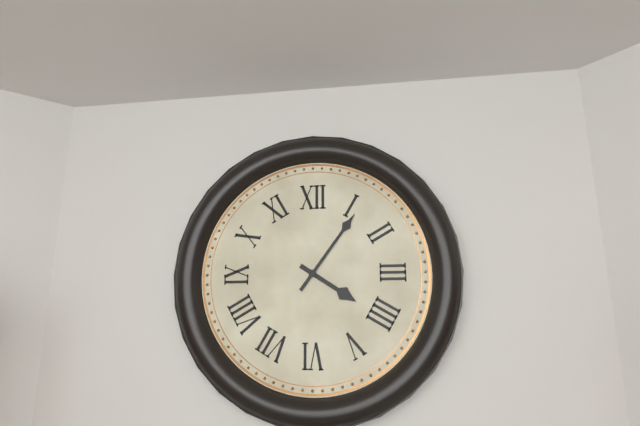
4:06
